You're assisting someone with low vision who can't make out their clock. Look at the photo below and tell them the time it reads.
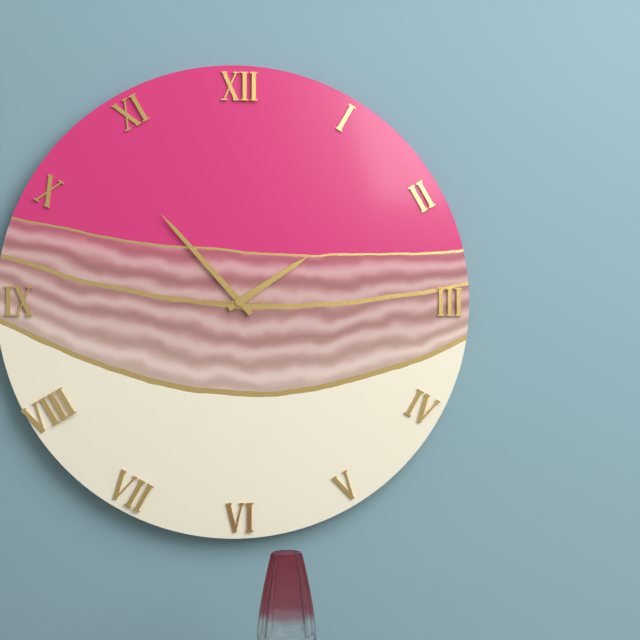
1:53:45
